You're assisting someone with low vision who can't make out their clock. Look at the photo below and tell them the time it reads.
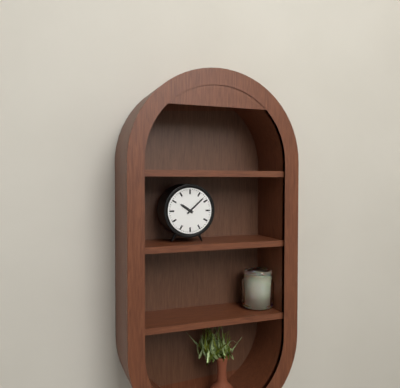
10:08
